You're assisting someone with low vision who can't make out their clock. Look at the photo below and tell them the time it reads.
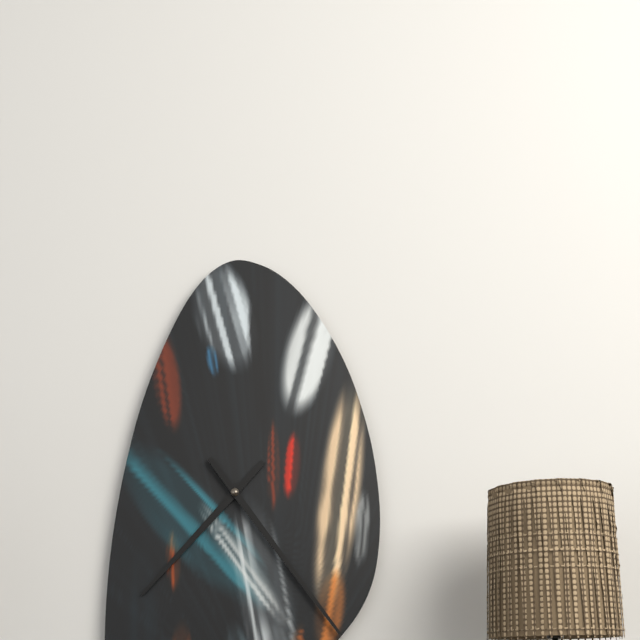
7:24
